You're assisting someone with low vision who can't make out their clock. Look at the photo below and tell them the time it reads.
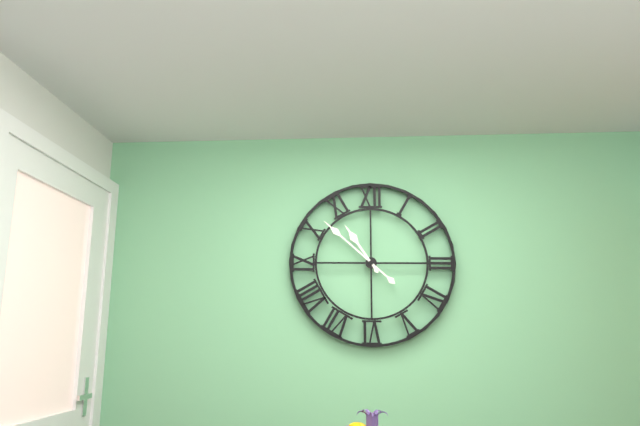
10:52
